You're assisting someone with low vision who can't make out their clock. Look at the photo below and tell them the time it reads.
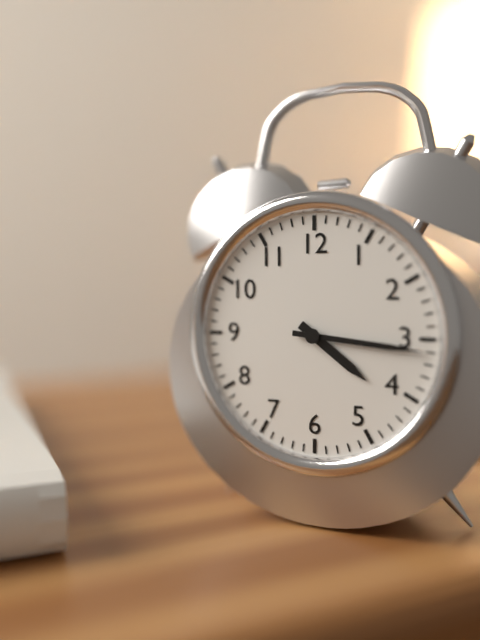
4:16
